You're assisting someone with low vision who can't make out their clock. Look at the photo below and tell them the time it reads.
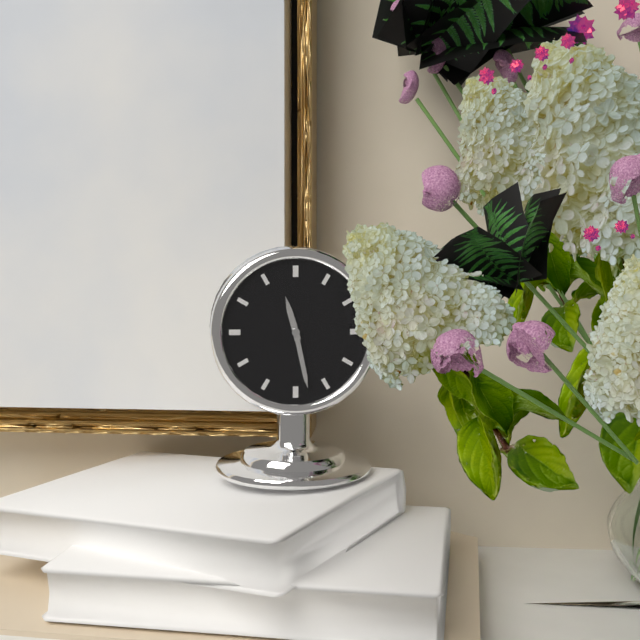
11:28
